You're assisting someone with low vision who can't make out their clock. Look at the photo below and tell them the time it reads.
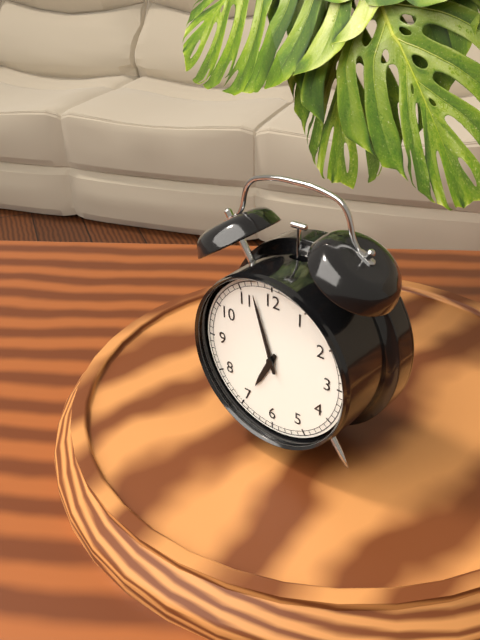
6:57
